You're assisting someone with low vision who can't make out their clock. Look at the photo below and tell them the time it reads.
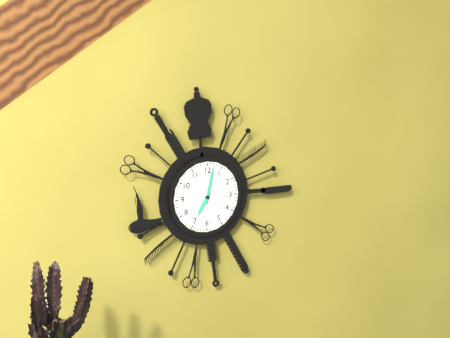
7:02
